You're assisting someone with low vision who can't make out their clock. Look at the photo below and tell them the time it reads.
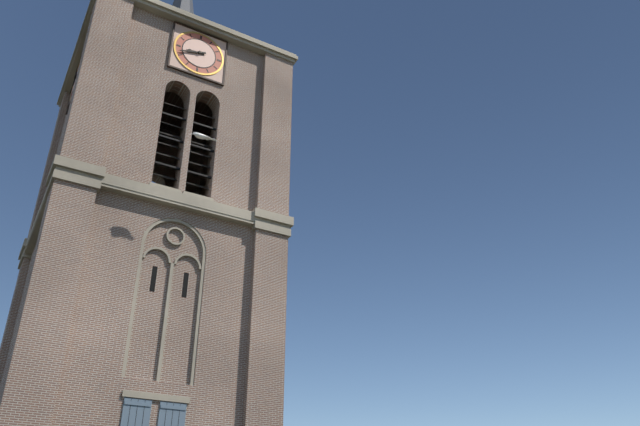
8:42
